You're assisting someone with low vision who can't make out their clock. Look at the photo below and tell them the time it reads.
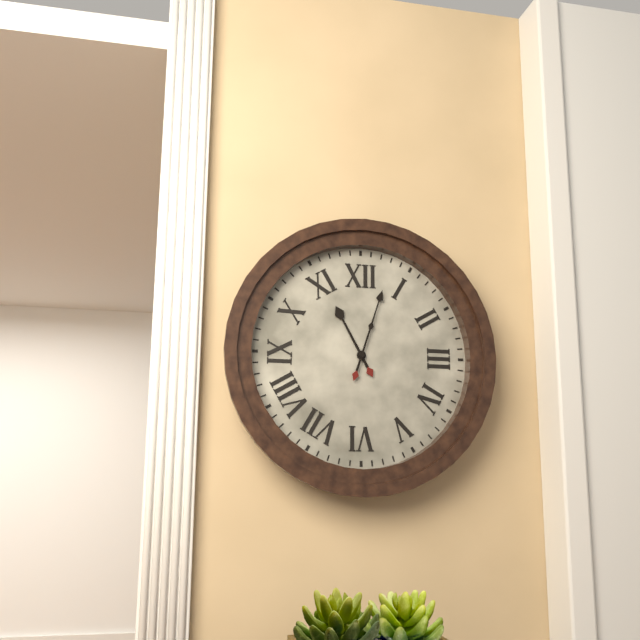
11:03
